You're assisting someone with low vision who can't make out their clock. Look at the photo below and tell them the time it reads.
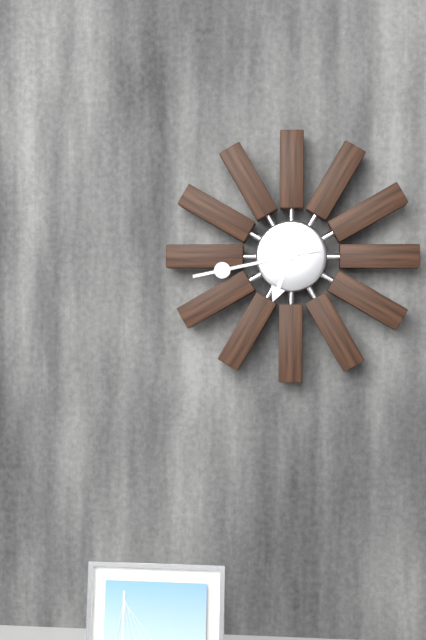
6:43
